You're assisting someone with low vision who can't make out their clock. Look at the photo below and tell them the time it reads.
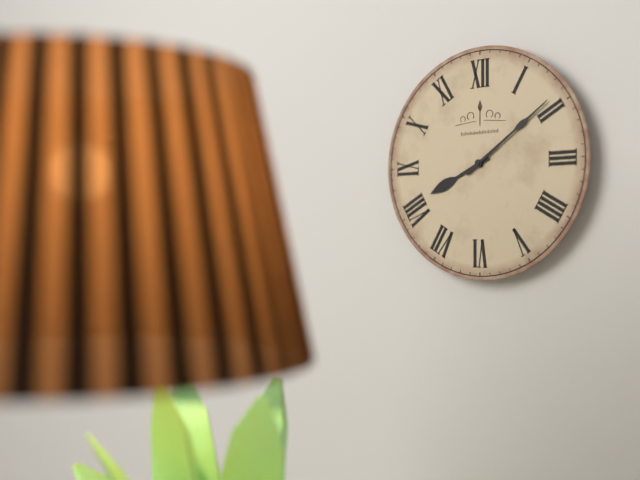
8:09
